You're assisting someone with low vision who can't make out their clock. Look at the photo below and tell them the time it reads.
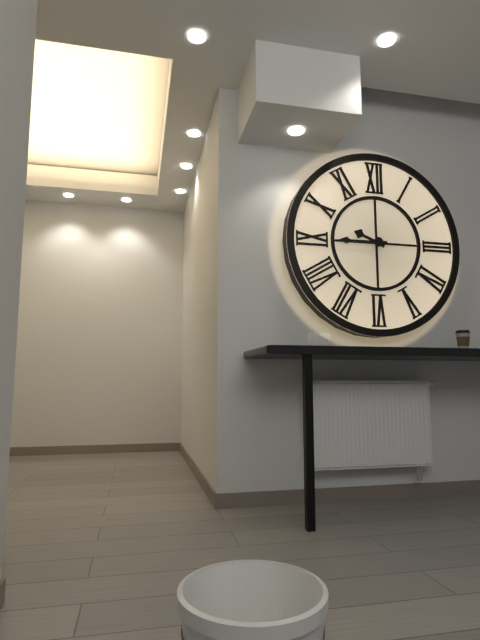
9:45
